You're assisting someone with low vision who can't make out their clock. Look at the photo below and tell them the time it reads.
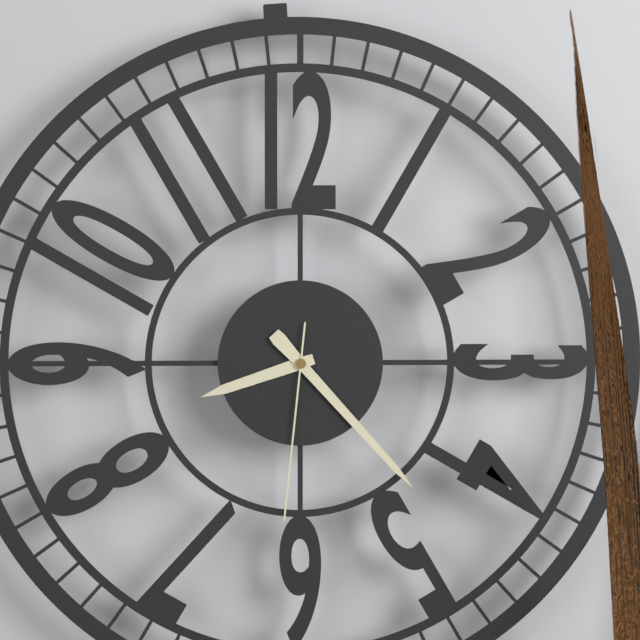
8:23:31
